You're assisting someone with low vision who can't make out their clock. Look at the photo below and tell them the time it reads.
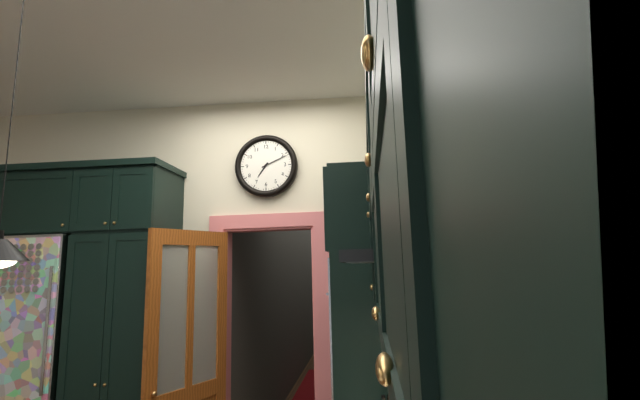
7:11
